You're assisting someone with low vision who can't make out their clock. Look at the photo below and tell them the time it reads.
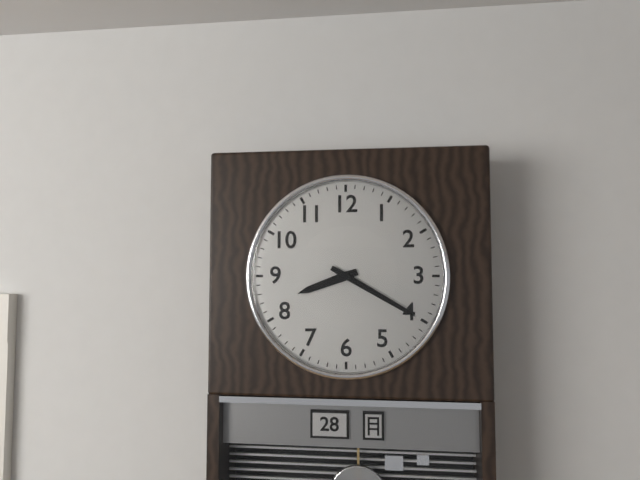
8:20
